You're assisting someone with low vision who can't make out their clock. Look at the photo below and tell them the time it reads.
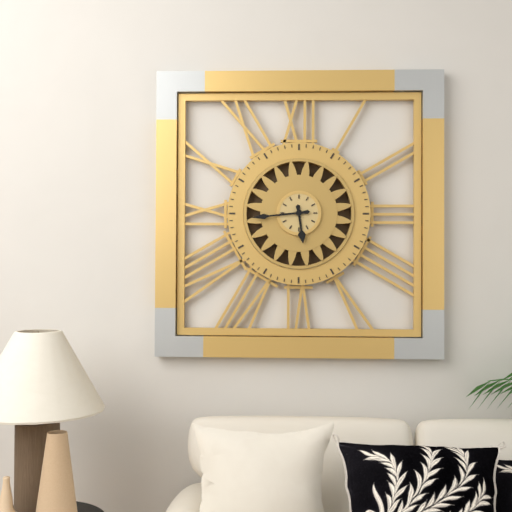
5:44
